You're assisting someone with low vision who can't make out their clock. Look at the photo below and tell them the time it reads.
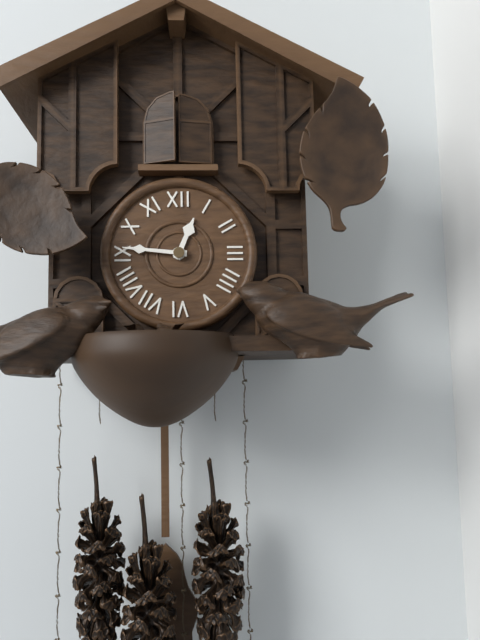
12:46
